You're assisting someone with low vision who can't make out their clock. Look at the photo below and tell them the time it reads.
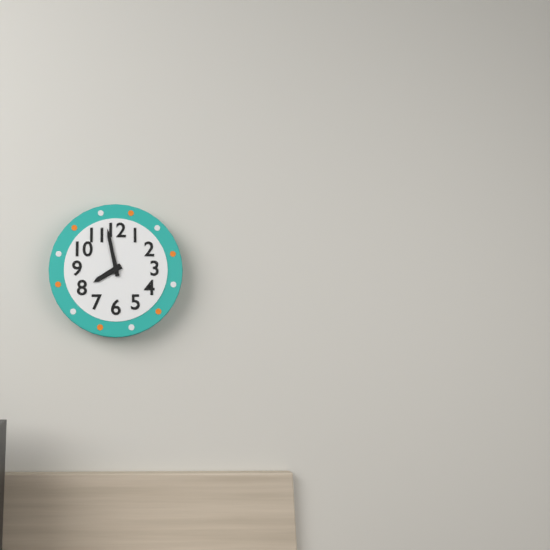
7:58
